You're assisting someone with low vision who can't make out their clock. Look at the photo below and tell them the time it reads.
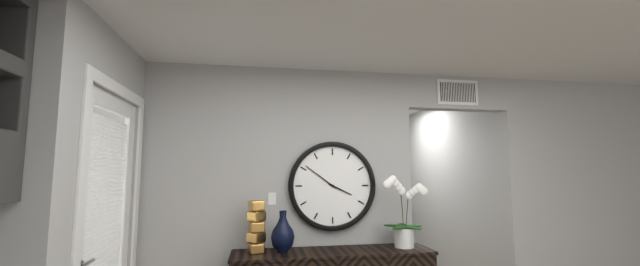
3:51
